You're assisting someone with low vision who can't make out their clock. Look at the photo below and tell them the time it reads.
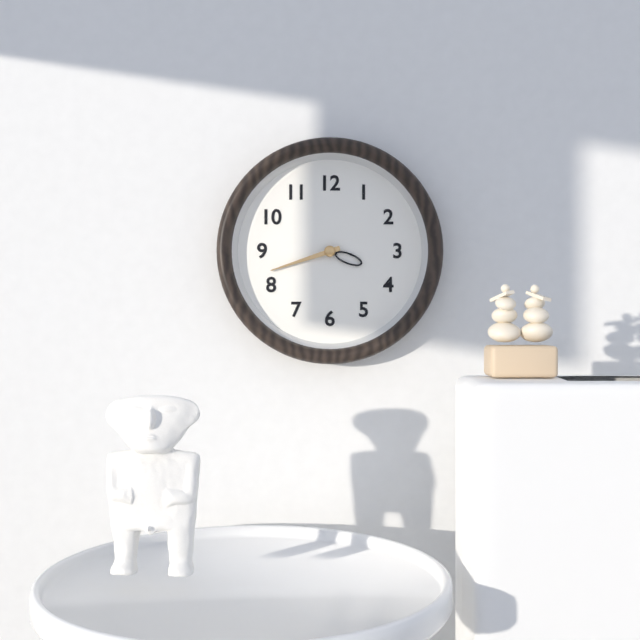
3:42
